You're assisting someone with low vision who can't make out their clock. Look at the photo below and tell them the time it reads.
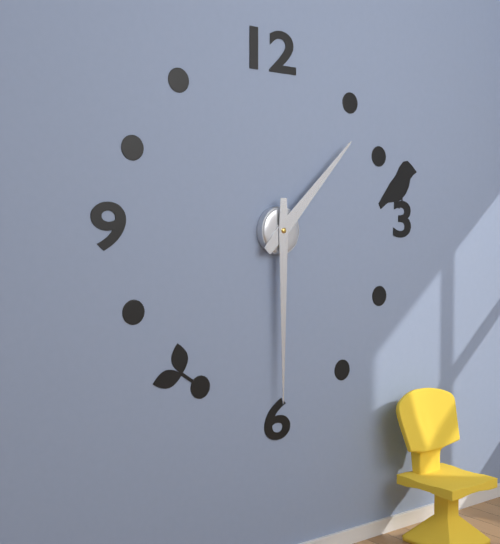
1:30
